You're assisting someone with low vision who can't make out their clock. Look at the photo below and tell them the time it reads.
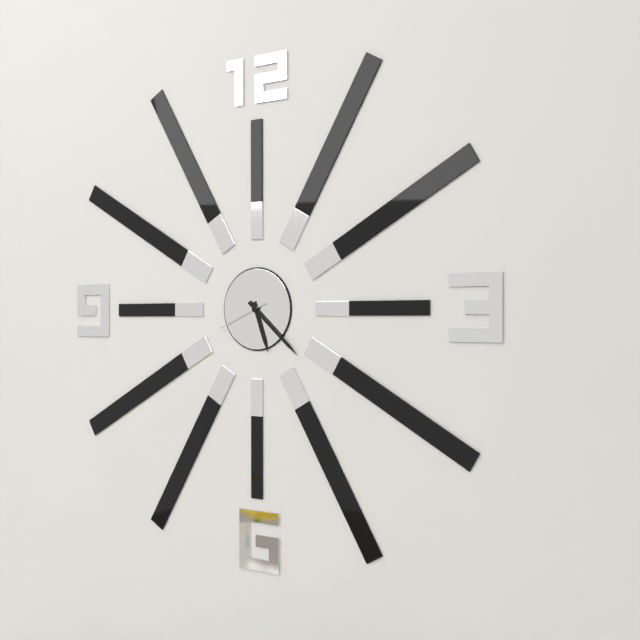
5:22:41
